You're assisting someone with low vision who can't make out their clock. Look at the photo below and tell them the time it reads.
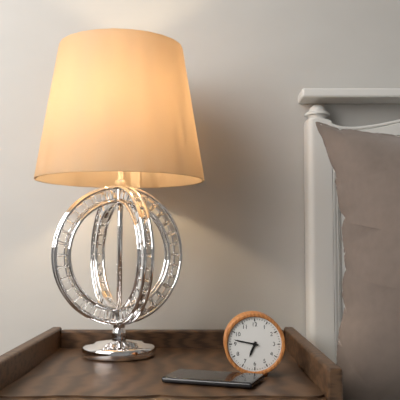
6:47
